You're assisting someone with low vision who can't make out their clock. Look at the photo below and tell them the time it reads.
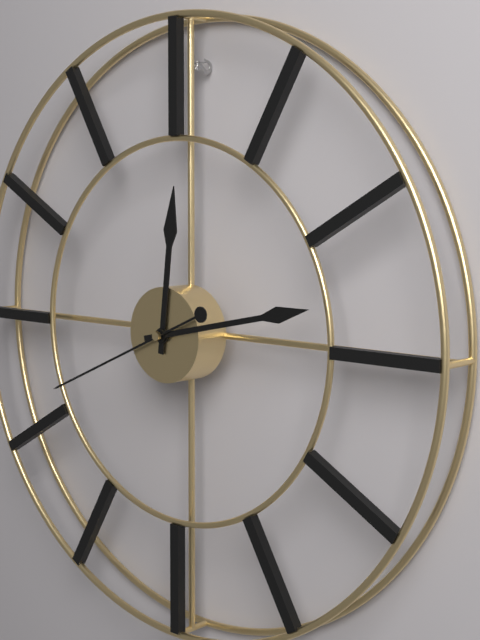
12:13:41
